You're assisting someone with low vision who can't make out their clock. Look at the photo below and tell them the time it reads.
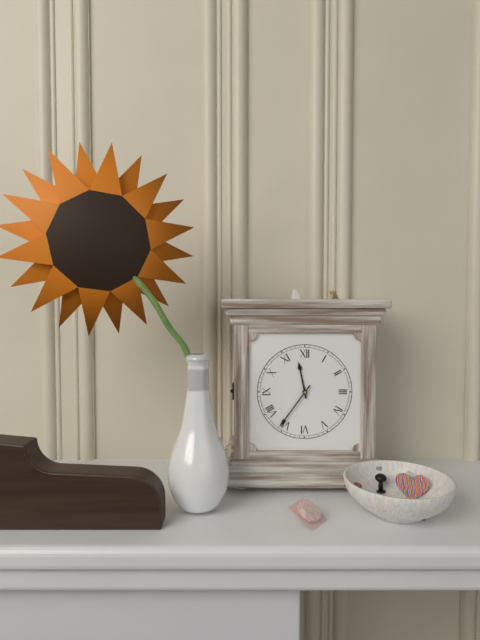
11:36
